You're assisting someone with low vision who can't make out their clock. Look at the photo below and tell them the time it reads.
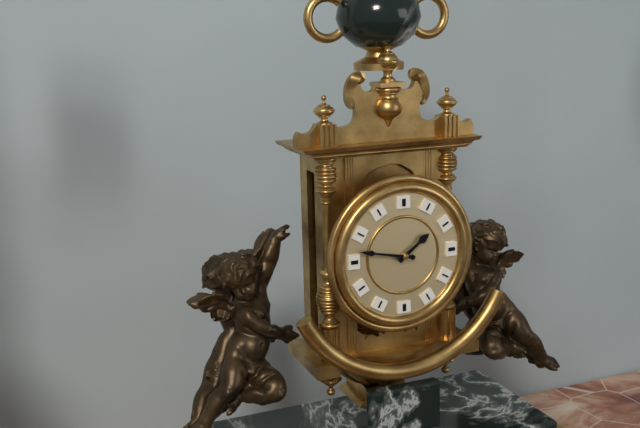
1:47
